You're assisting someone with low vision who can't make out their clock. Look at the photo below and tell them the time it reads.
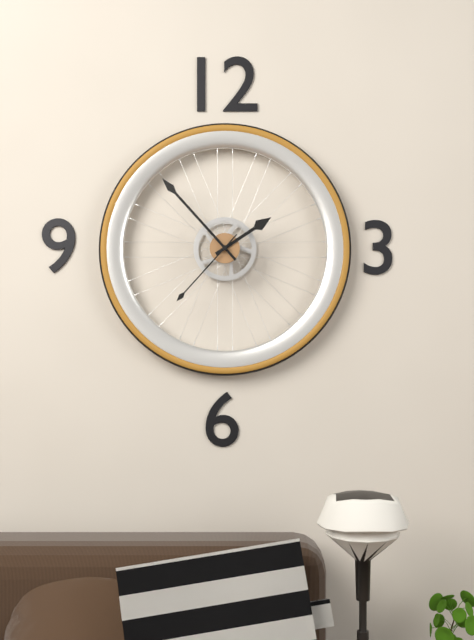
1:53:37
